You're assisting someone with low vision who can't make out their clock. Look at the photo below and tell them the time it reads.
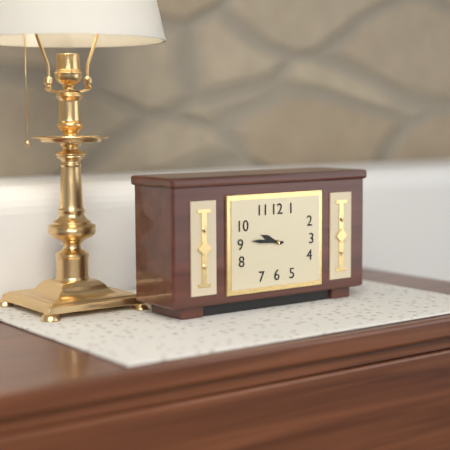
9:46
